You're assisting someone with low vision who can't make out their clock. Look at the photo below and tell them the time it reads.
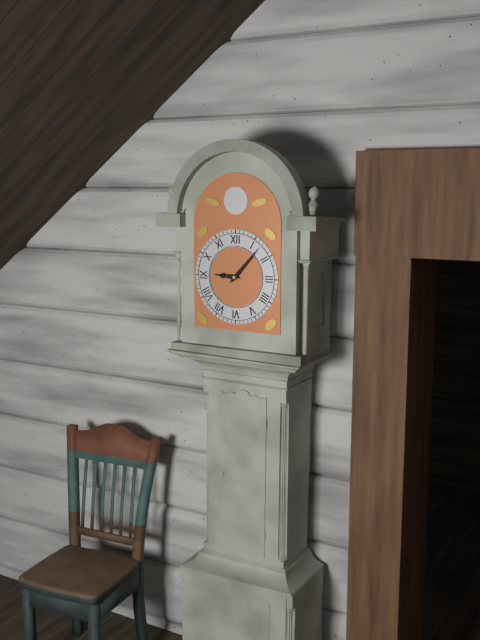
9:07
